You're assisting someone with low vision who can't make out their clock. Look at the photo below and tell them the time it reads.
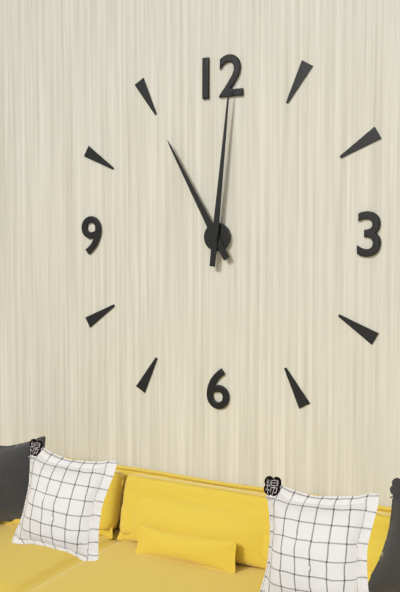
11:01
